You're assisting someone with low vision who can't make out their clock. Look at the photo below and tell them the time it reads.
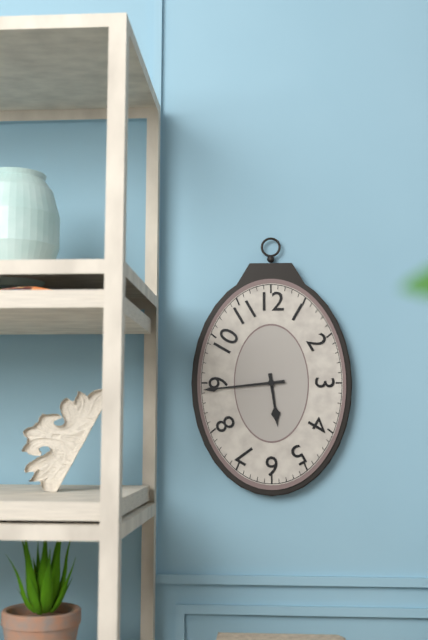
5:44
